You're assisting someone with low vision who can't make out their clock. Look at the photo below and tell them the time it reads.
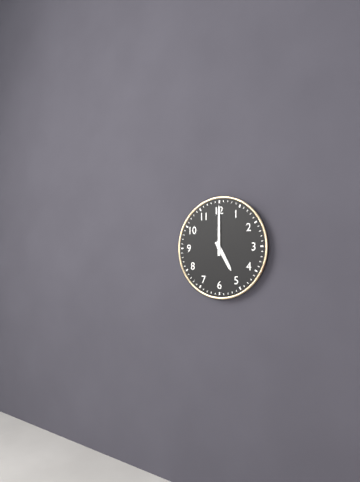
5:00
